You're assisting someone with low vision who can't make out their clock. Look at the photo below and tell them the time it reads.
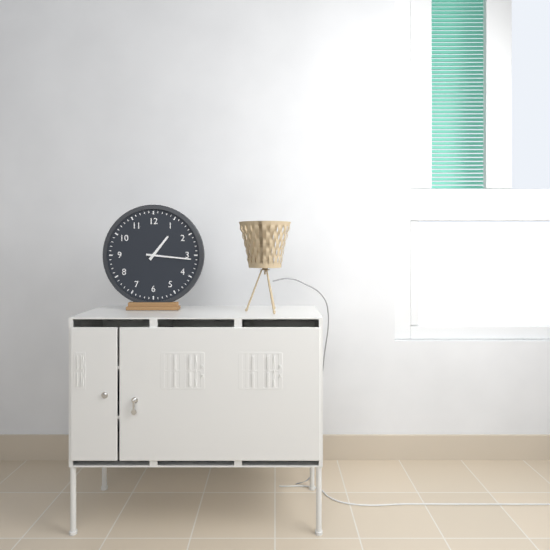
1:16
